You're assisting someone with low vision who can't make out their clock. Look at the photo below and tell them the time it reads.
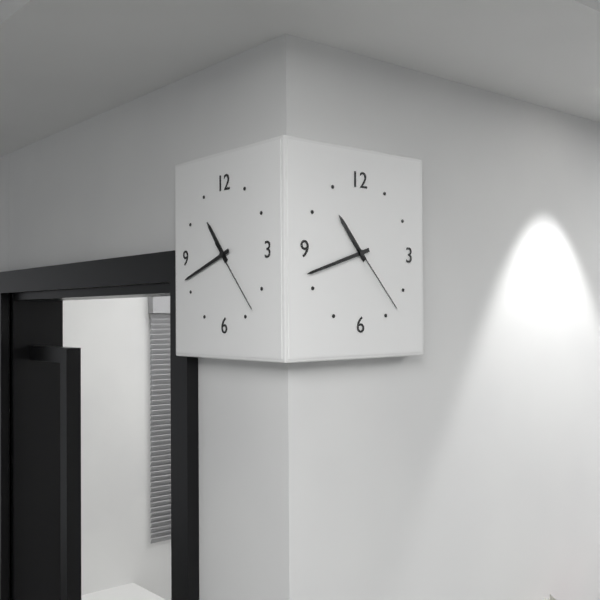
10:42:23
